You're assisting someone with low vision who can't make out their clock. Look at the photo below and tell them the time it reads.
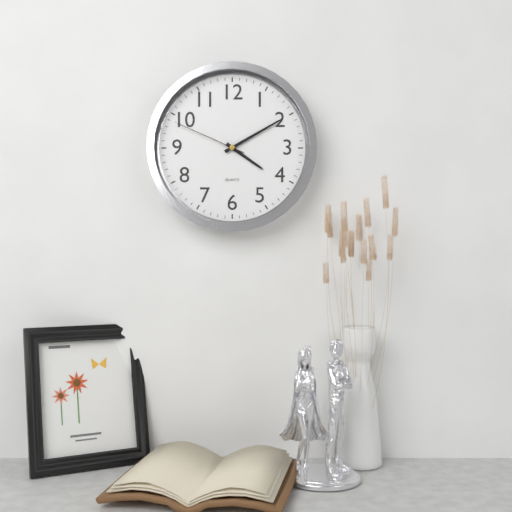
4:10:49
